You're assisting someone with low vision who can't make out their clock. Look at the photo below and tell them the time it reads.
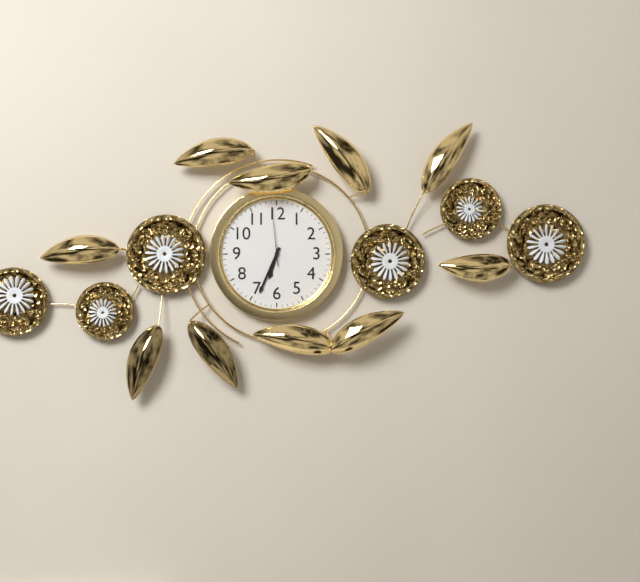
6:34:59
